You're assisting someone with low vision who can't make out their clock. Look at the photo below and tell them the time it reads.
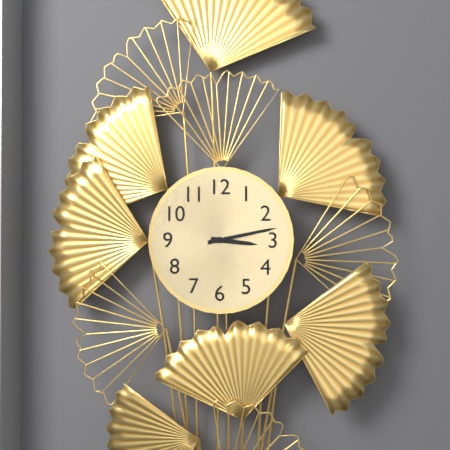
3:13
